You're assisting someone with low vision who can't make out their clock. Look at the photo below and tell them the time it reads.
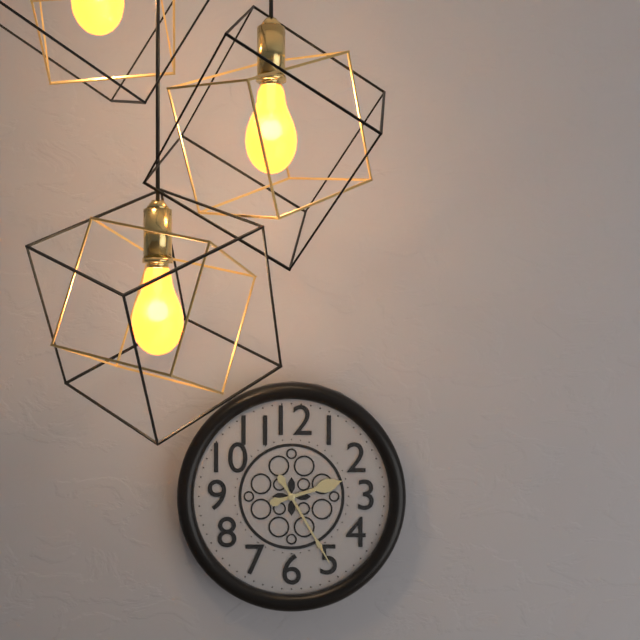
2:25
